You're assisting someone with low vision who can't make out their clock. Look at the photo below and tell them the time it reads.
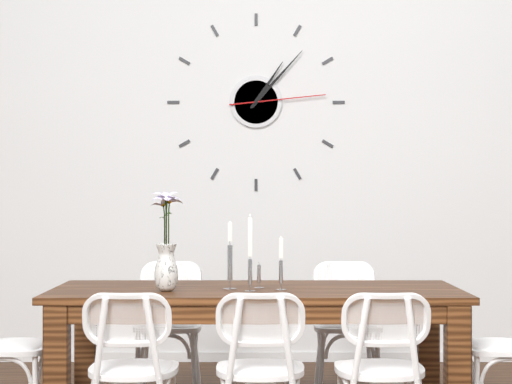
1:07:14
